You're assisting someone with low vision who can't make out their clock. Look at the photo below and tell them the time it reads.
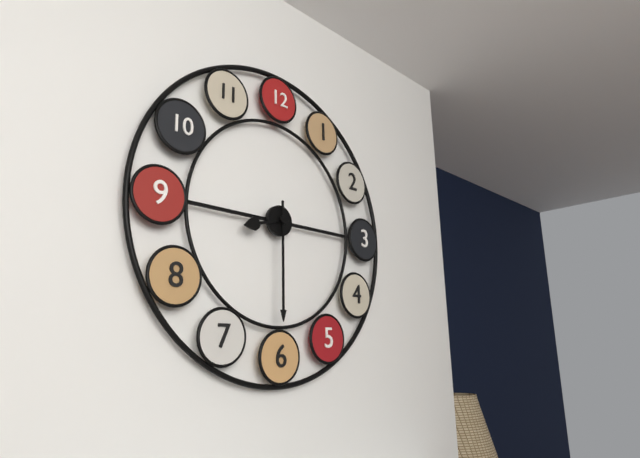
8:30
